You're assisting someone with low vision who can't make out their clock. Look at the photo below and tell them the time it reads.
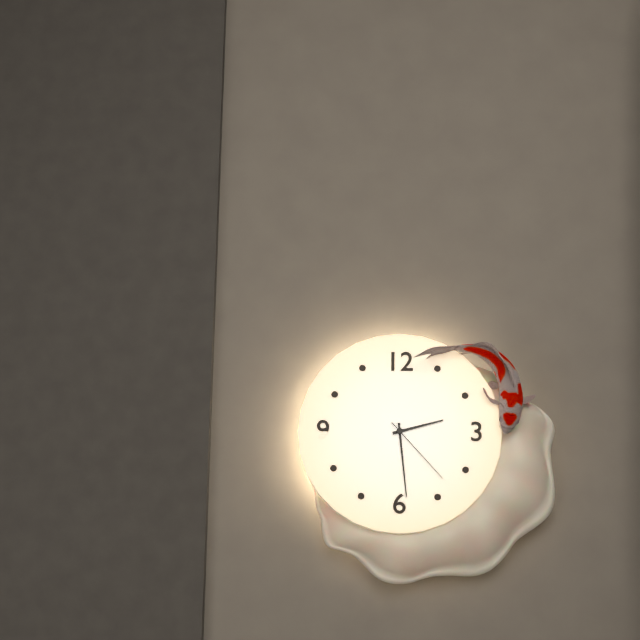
2:29:23
